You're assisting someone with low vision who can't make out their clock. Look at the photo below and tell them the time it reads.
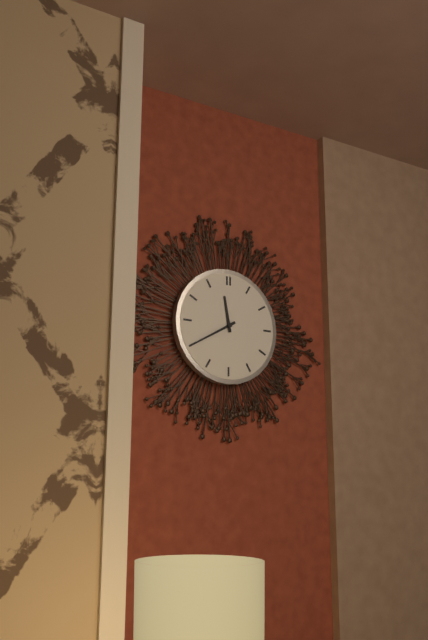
11:40
